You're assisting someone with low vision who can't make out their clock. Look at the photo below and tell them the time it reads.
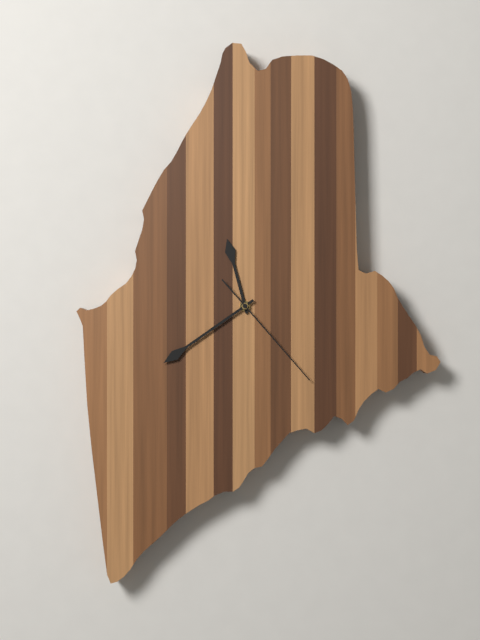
11:40:24
